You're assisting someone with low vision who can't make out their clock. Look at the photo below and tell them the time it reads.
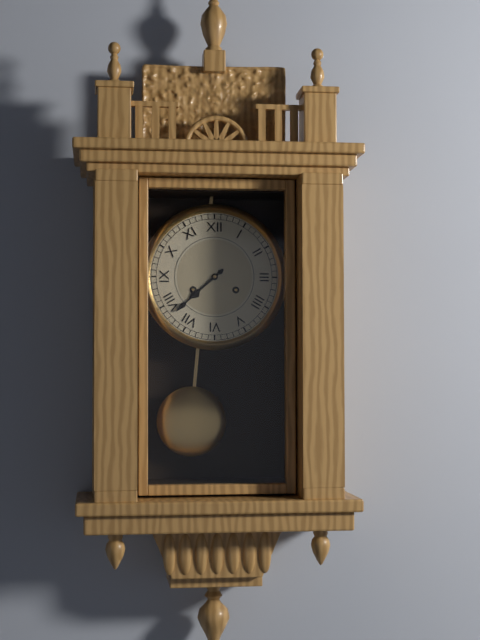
7:38
